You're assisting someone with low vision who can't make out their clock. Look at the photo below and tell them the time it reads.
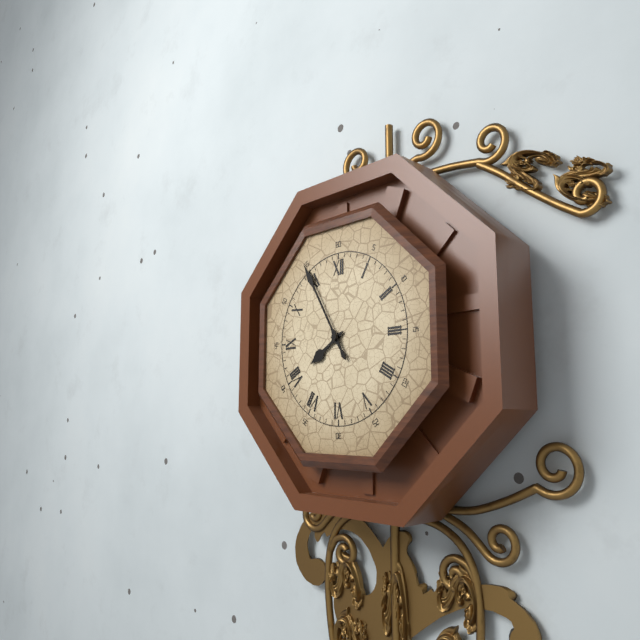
7:55
